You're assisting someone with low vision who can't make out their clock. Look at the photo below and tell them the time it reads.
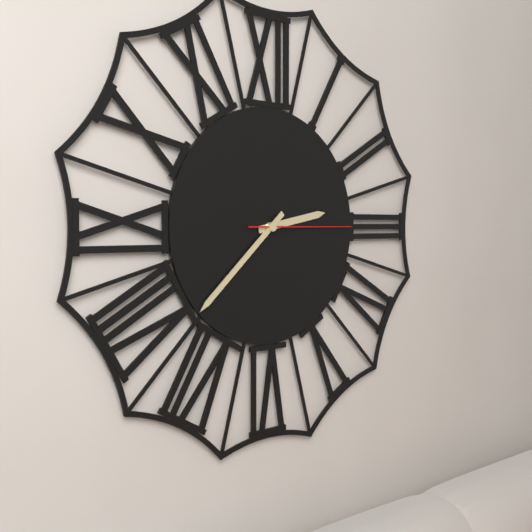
2:38:15
